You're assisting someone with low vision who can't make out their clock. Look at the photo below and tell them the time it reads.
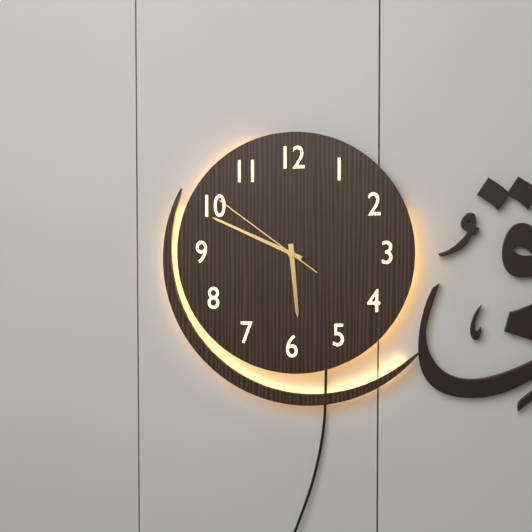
5:49:51
